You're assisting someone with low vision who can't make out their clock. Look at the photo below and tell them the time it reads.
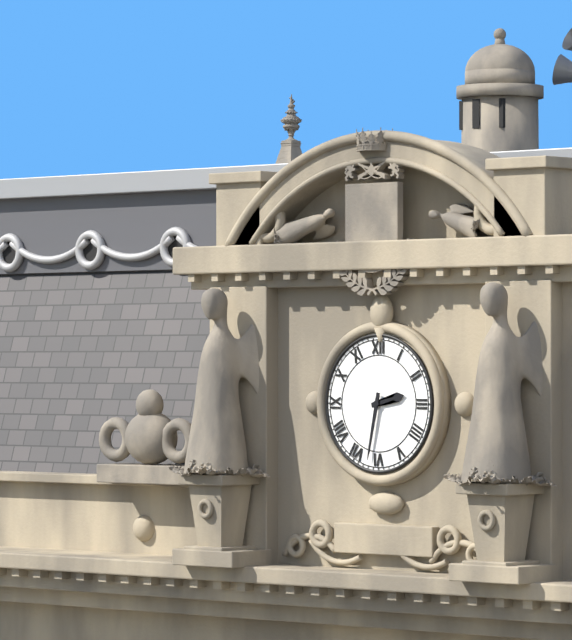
2:32
